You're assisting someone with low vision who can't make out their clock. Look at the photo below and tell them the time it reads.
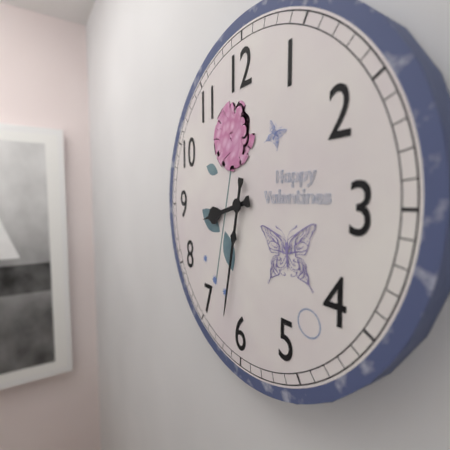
8:32
